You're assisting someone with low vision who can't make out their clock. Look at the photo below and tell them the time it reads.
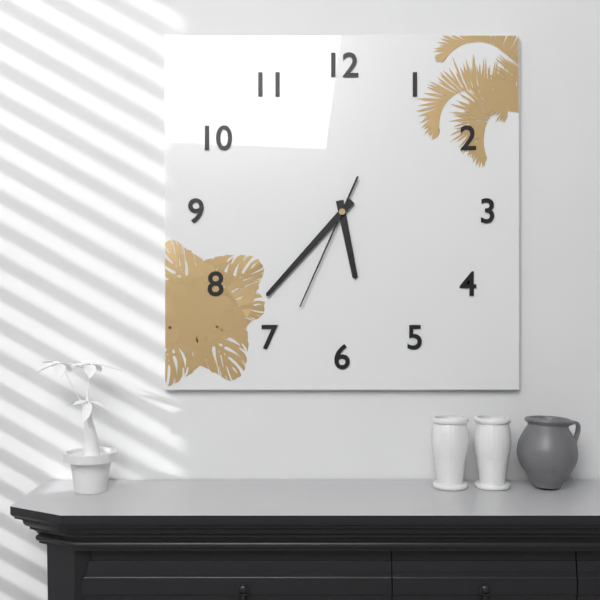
5:37:34
